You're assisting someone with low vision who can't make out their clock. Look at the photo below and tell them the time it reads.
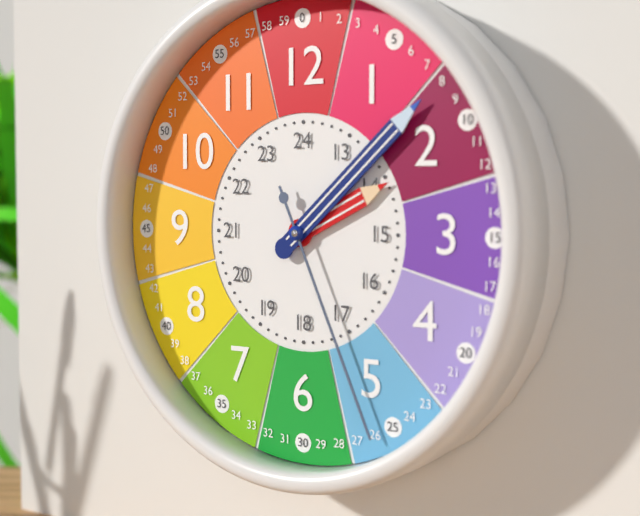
2:08:26
